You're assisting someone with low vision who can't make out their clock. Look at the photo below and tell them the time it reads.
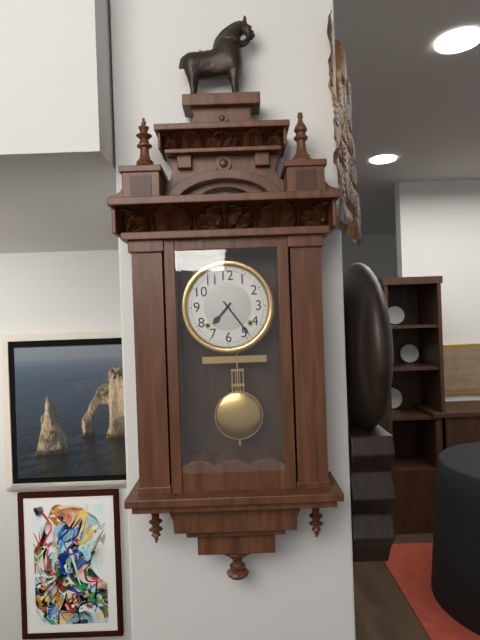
7:24
